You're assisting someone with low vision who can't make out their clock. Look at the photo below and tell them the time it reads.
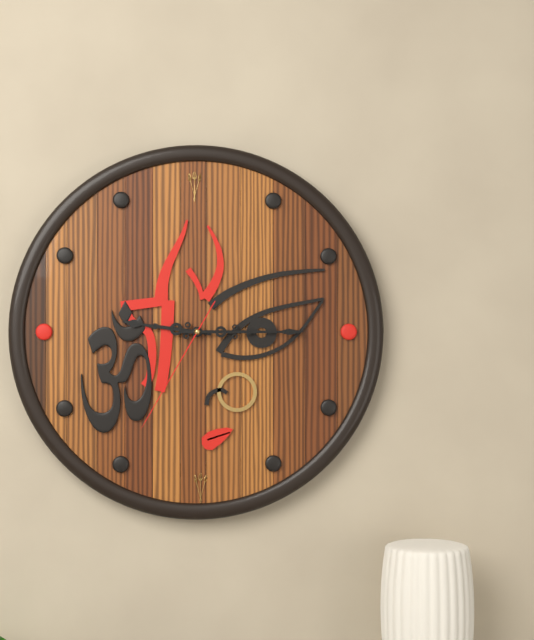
9:15:35
